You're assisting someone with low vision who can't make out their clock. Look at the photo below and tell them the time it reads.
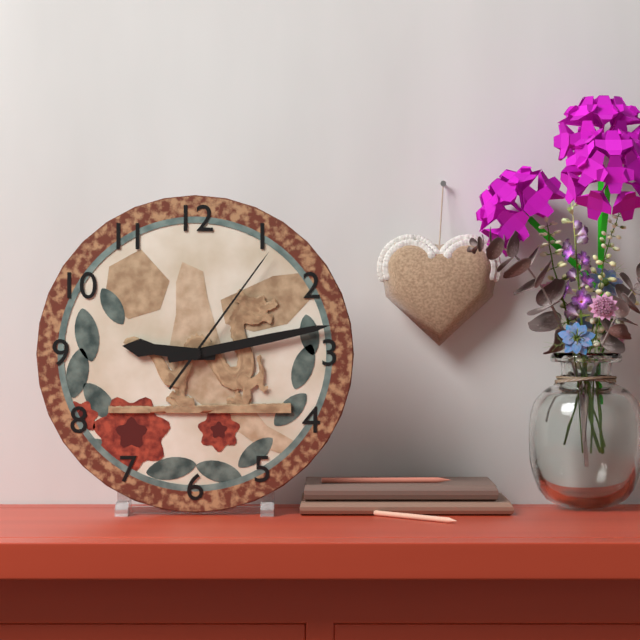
9:13:06
